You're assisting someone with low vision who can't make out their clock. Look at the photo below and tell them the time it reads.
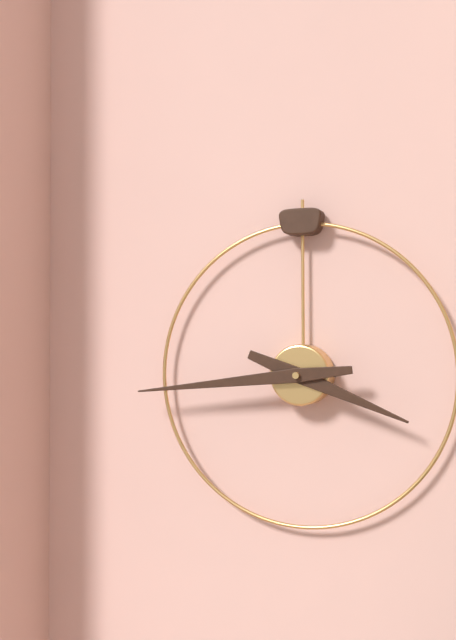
3:44
